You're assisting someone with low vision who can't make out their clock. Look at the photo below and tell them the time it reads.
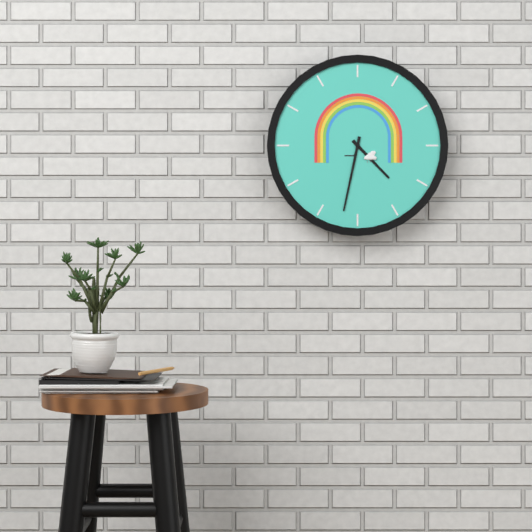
4:32
